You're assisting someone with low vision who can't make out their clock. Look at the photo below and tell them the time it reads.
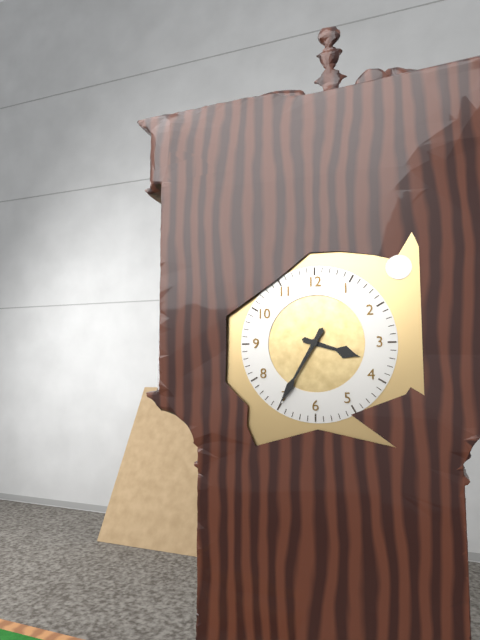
3:35
